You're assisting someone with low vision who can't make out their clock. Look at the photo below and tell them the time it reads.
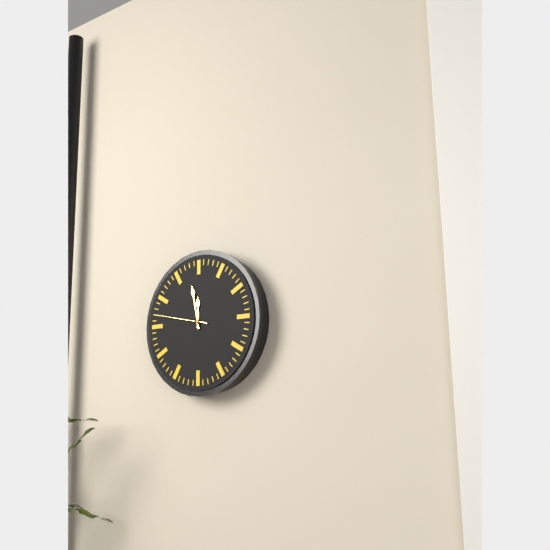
11:58:47
